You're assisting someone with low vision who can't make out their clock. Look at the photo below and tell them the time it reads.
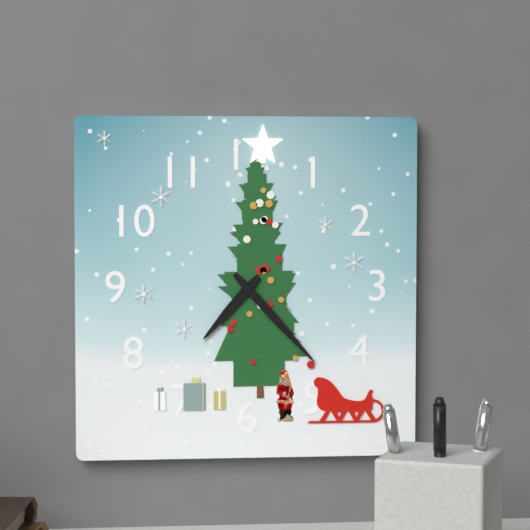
7:23
